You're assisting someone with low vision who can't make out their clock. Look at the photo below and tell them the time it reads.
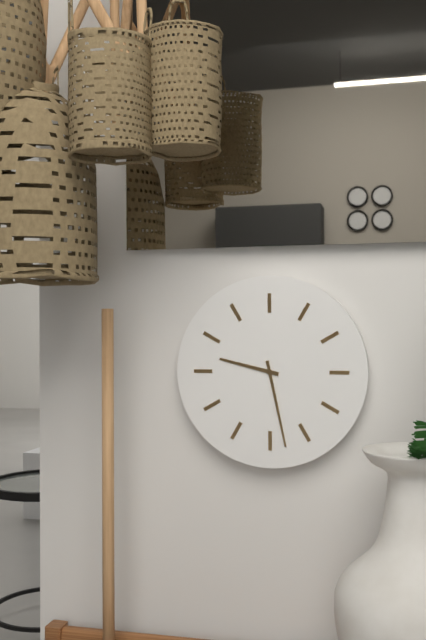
9:28
